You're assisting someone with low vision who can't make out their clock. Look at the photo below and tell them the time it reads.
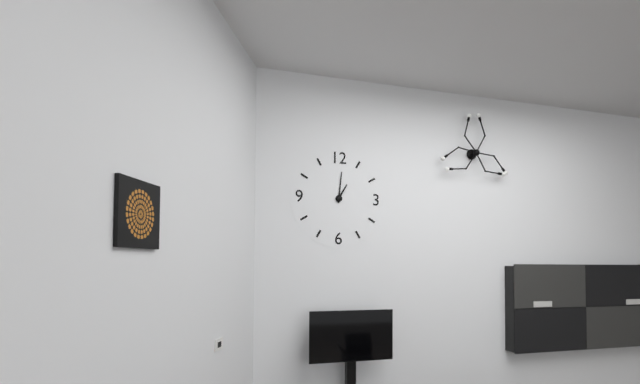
1:01
